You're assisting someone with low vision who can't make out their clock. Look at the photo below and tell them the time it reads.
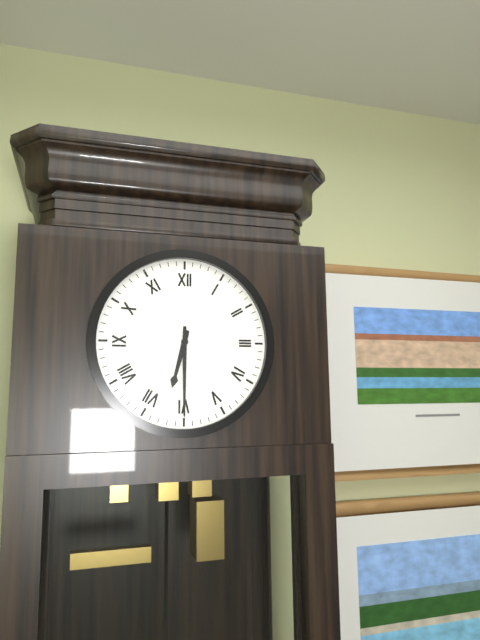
6:30
